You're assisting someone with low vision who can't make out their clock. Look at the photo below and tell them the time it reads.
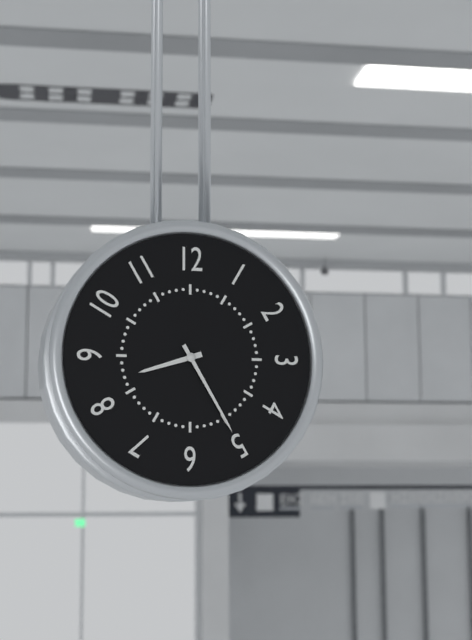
8:25
